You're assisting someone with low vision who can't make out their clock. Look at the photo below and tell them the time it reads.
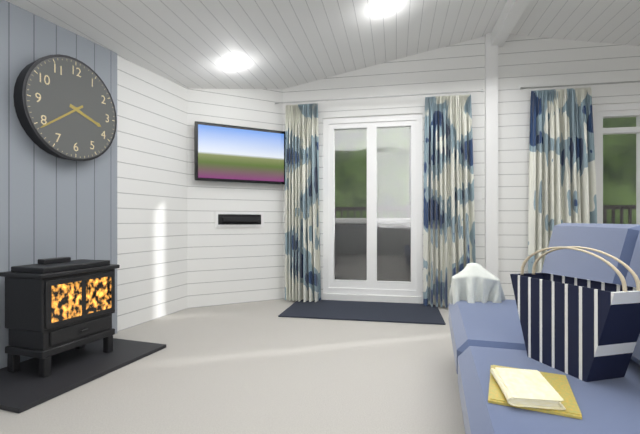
3:39
